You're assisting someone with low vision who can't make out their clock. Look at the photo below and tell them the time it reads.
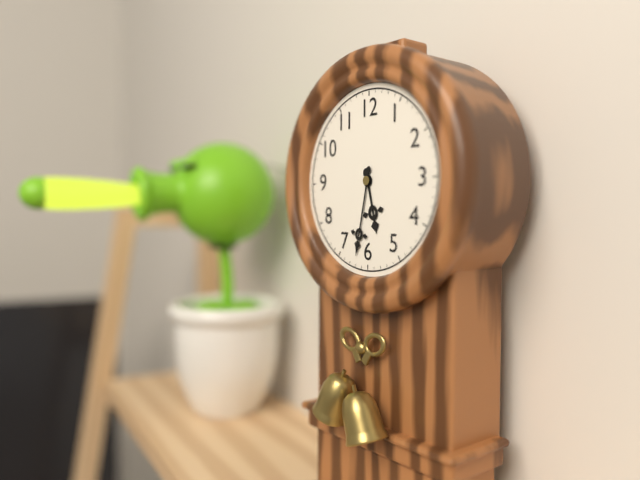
5:32
